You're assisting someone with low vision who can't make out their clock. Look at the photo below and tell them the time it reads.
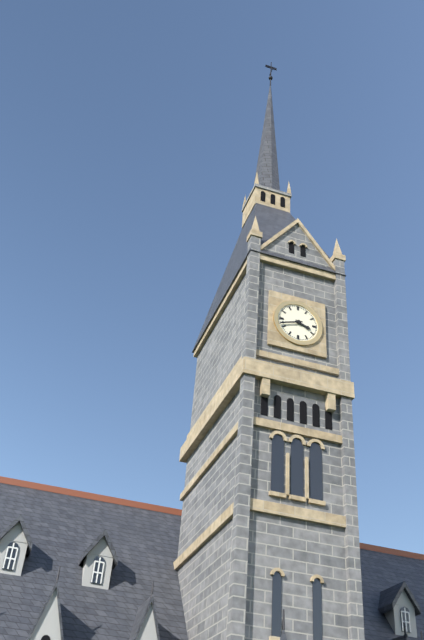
3:42
